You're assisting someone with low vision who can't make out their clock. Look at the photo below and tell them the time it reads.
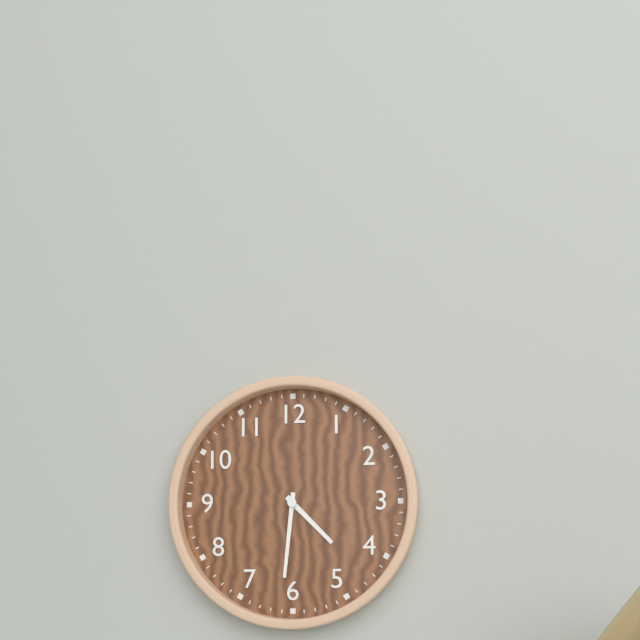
4:31
